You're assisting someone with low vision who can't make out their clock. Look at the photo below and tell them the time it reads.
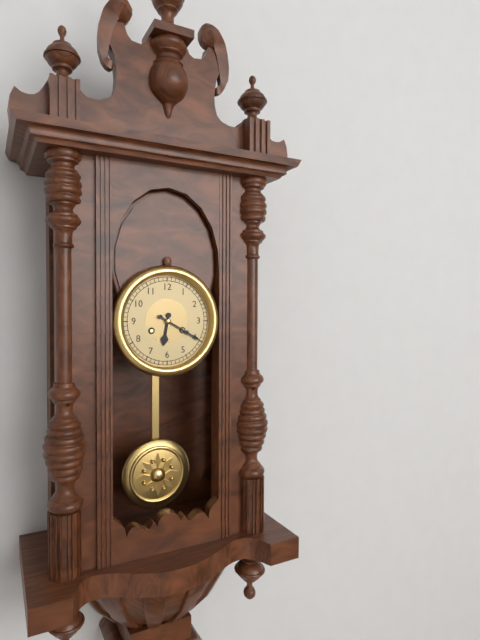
6:20
